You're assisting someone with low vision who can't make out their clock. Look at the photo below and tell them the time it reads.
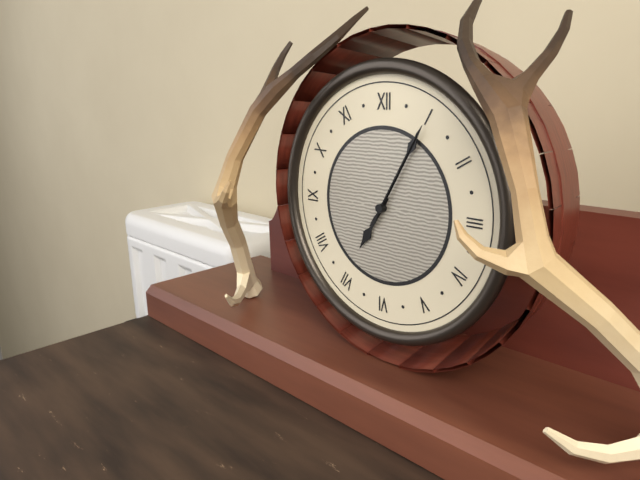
7:05:05
